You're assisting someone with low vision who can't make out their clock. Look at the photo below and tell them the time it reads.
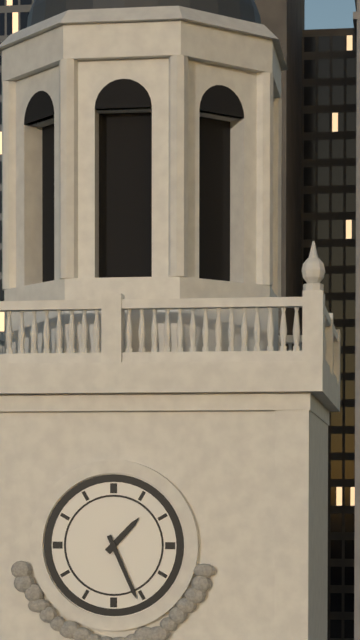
1:26
